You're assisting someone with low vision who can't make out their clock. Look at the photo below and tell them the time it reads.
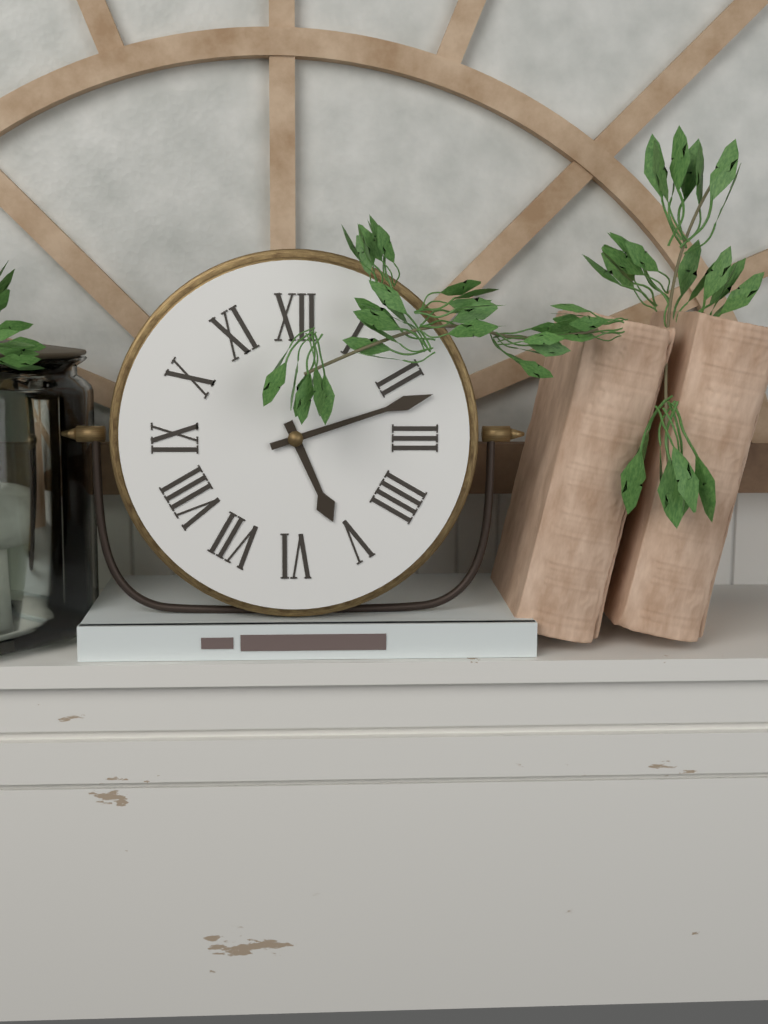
5:12
